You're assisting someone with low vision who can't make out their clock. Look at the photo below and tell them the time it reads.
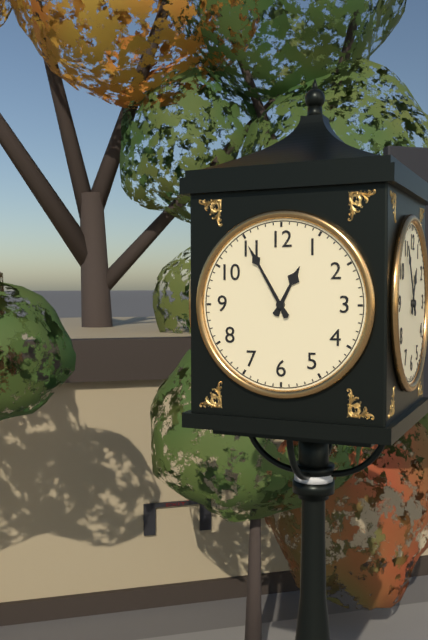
12:55
